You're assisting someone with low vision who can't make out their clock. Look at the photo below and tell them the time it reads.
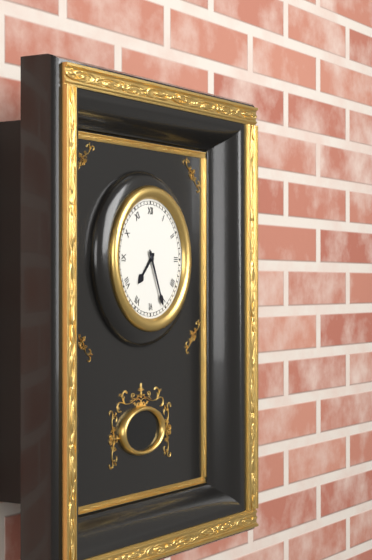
7:26
